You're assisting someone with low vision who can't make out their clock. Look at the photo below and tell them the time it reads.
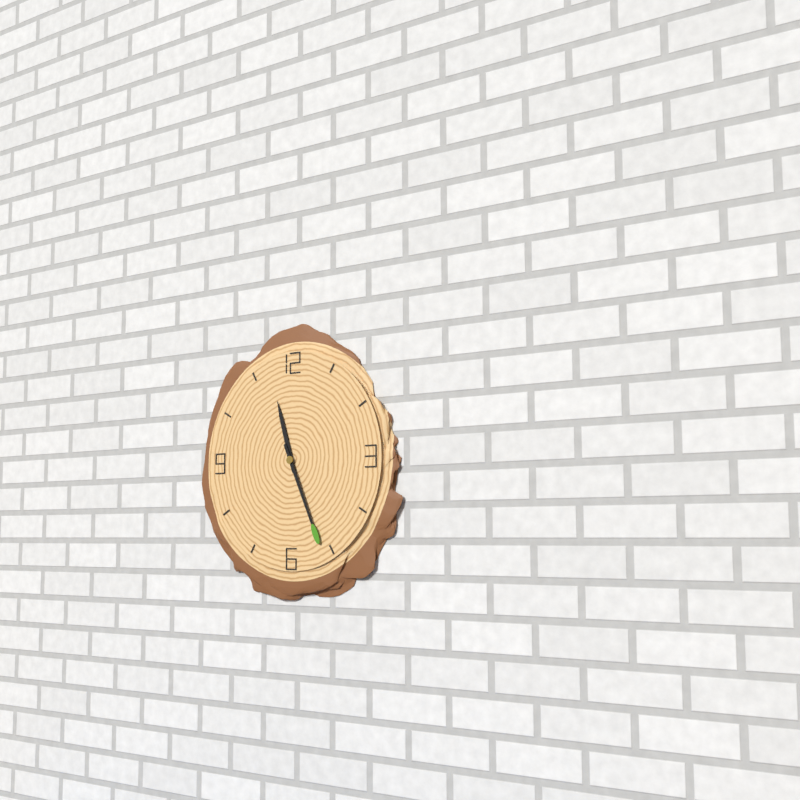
11:26
